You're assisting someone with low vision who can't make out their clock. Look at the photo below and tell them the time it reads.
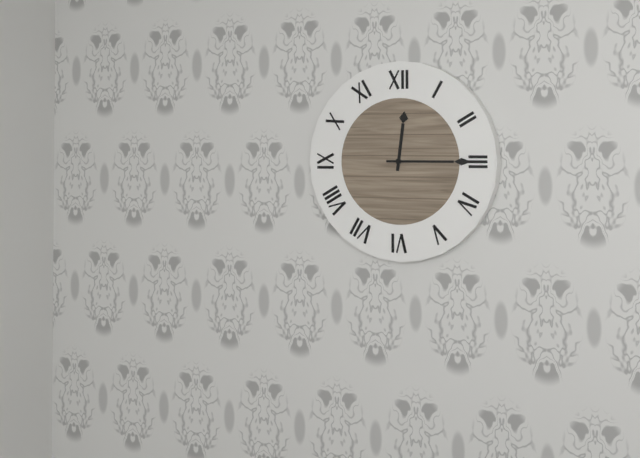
12:15
